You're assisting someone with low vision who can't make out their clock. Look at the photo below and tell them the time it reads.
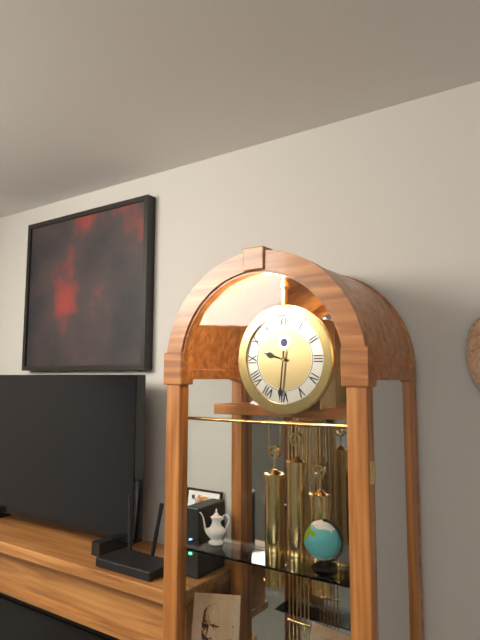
9:31
